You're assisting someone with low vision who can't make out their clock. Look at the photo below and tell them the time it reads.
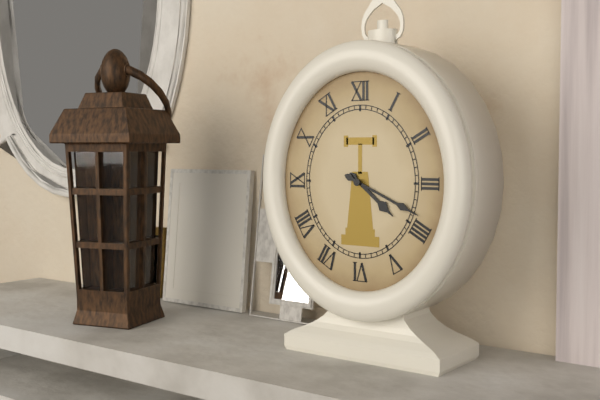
4:19
